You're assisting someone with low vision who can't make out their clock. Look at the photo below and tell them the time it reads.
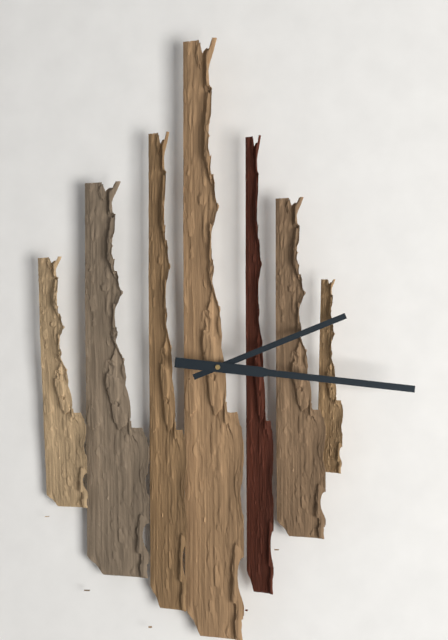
2:16
